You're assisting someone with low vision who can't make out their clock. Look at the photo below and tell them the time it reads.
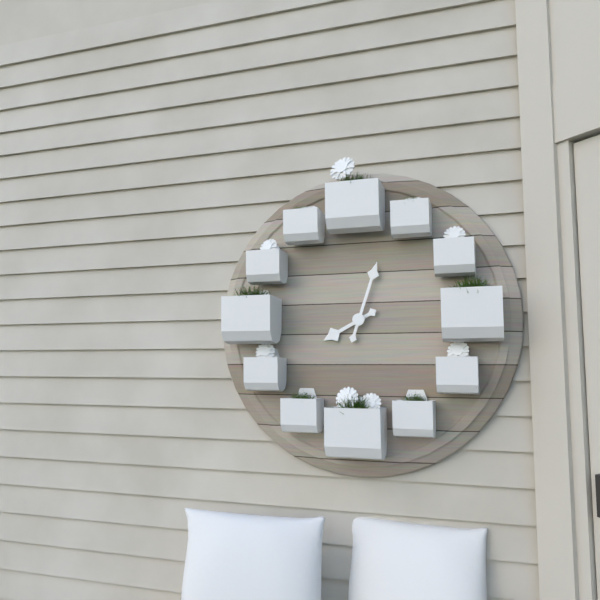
8:03
